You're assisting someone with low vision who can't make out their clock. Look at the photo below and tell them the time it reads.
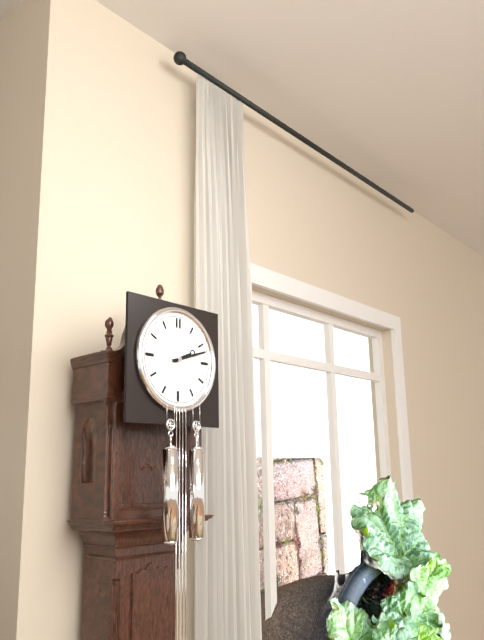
2:12
